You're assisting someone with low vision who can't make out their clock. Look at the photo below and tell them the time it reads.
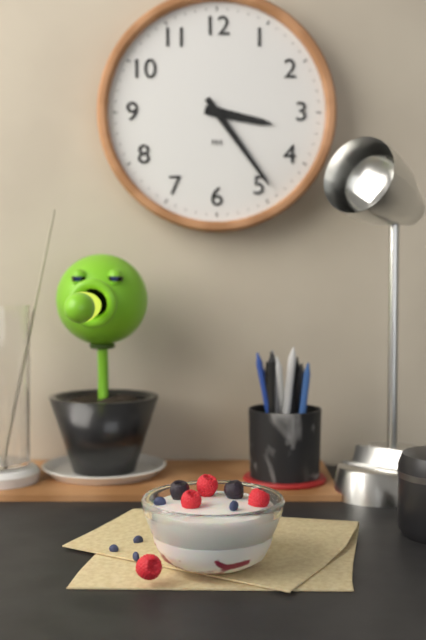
3:24
